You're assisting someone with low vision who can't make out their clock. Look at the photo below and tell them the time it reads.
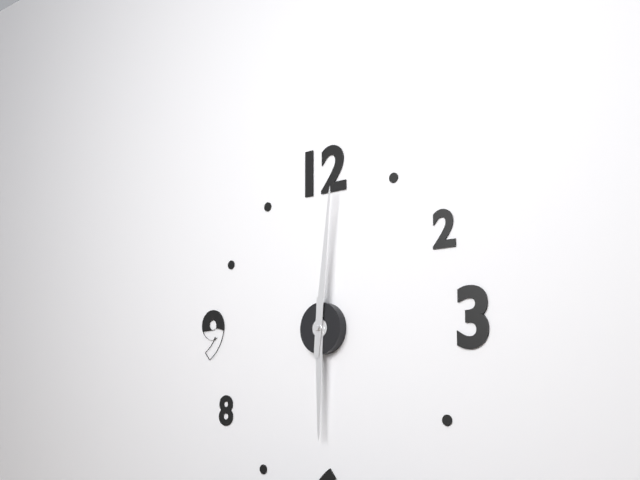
6:01
